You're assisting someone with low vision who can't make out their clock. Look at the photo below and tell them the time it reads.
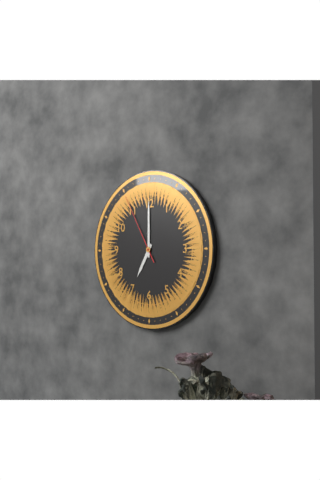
7:00:55
